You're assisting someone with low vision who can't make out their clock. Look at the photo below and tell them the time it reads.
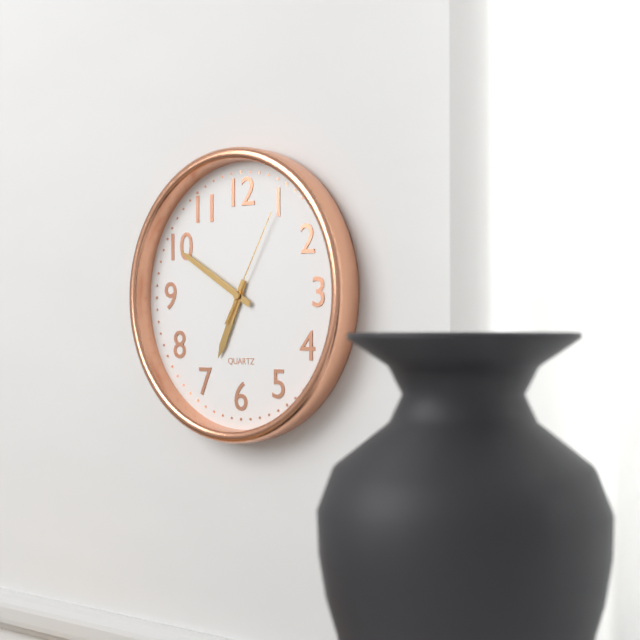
6:50:05
